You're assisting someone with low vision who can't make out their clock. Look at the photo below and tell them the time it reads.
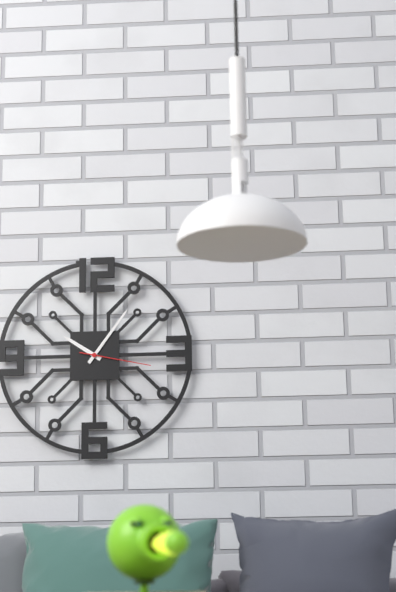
10:06:17
